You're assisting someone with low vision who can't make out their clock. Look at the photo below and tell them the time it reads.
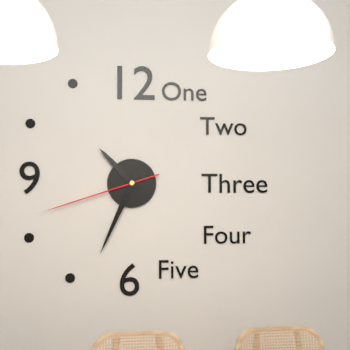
10:34:42
